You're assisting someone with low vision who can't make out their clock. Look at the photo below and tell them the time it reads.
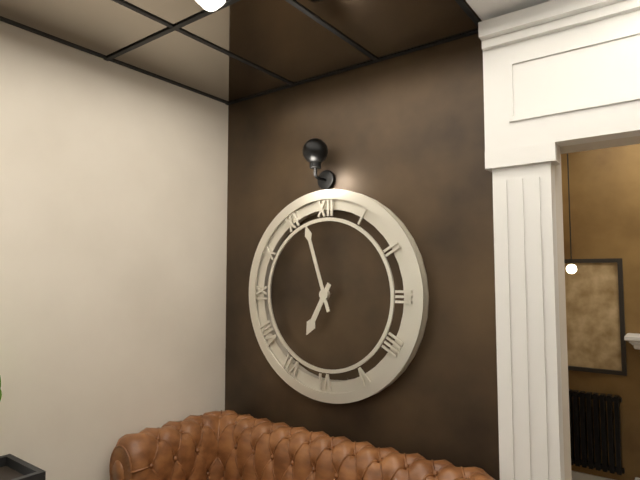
6:57
